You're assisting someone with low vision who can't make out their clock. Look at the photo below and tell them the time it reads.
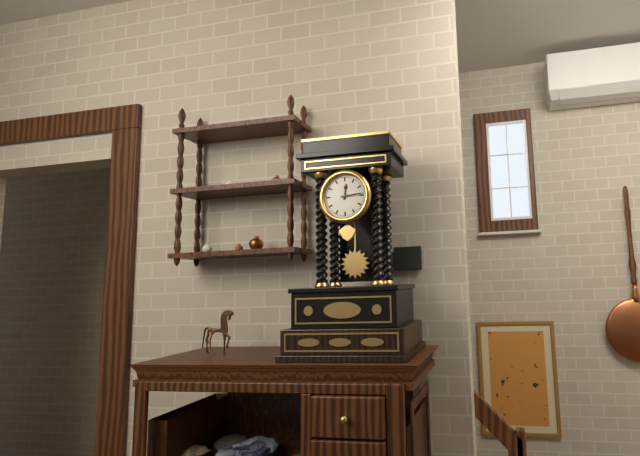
12:14
